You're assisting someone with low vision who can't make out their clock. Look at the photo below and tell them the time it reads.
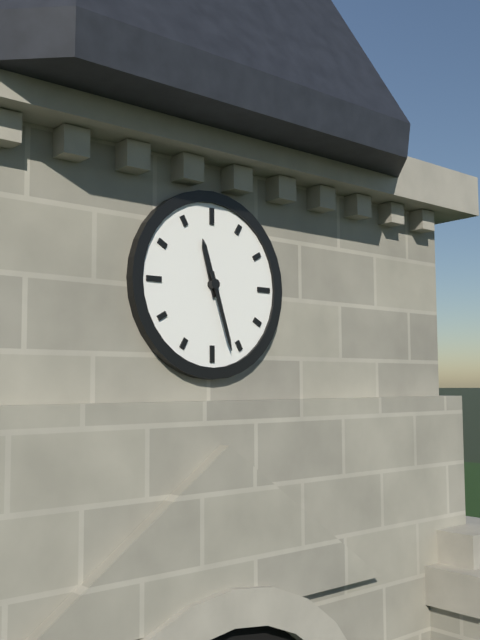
11:27
